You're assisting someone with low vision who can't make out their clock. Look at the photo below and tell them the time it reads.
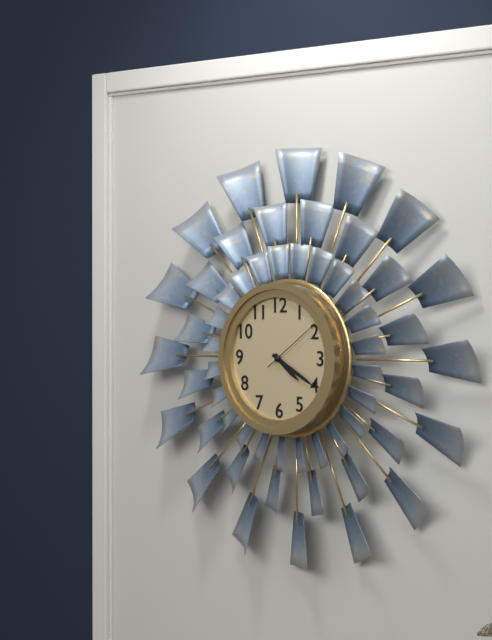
4:20:09
